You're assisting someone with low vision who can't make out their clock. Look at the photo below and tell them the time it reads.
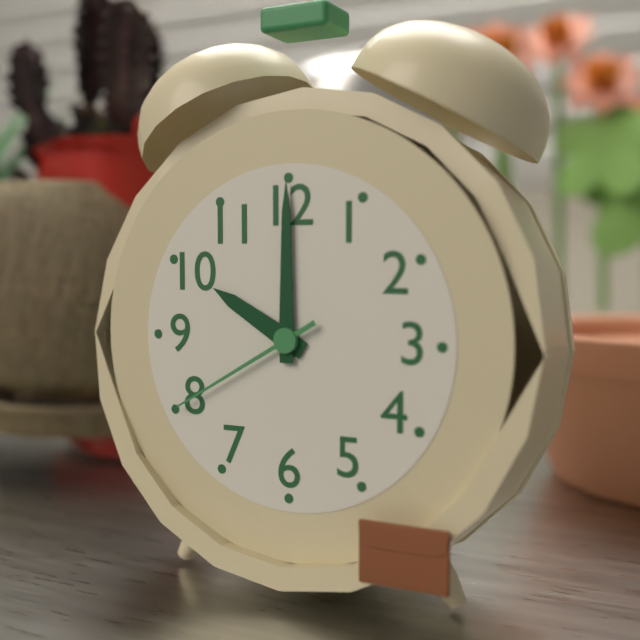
10:00:40
